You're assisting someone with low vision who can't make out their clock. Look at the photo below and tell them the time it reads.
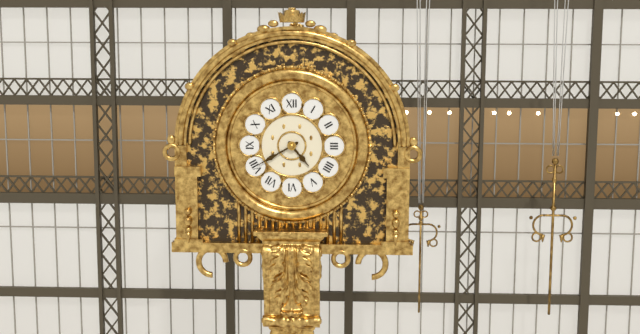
4:40
